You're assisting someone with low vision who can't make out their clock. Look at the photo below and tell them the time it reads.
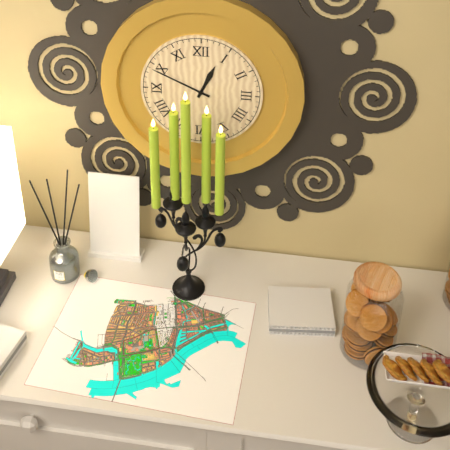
12:49
